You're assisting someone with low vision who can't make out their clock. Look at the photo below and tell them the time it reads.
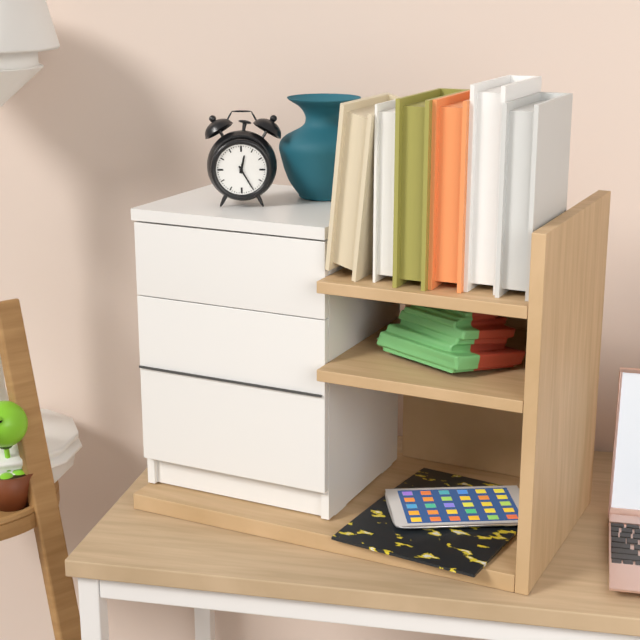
12:25
